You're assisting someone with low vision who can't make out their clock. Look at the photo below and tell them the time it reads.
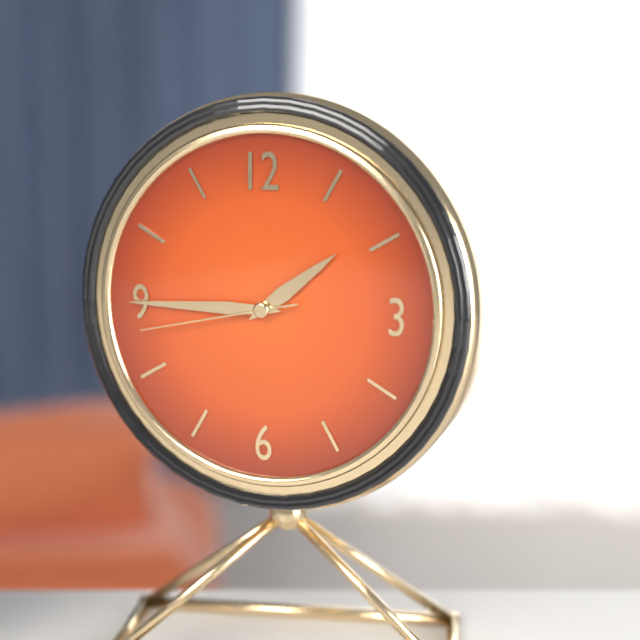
1:45:43
